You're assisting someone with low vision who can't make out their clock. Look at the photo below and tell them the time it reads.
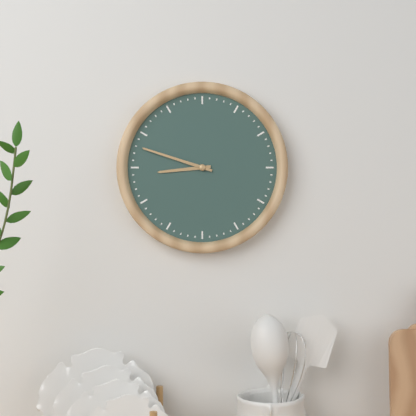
8:48
